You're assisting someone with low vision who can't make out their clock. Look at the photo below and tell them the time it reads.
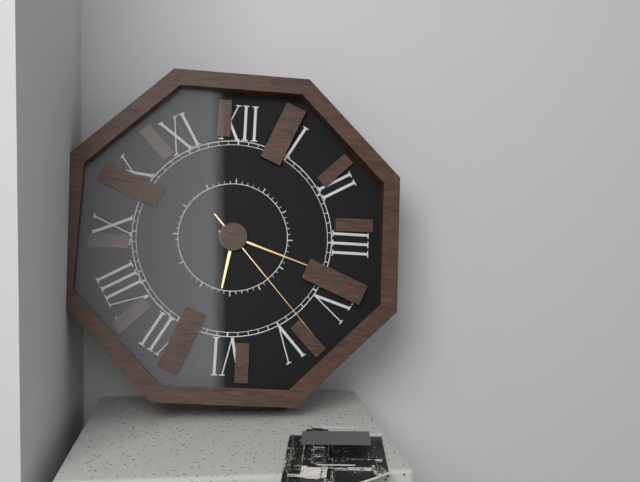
6:18:23
